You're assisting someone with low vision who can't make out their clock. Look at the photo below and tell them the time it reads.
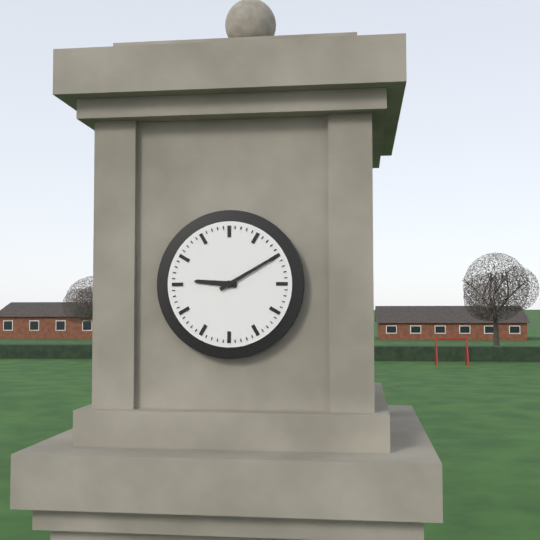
9:10
